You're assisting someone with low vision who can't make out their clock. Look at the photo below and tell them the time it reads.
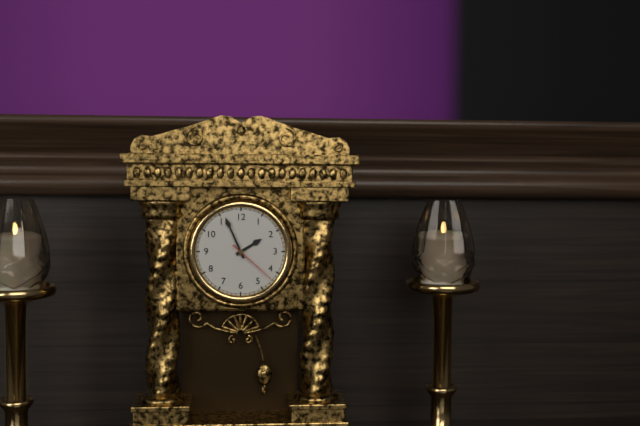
1:56:22
